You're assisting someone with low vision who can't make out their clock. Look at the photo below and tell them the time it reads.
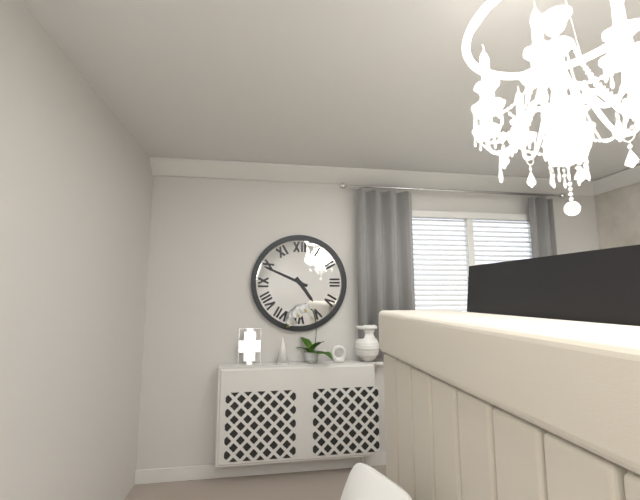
4:49
